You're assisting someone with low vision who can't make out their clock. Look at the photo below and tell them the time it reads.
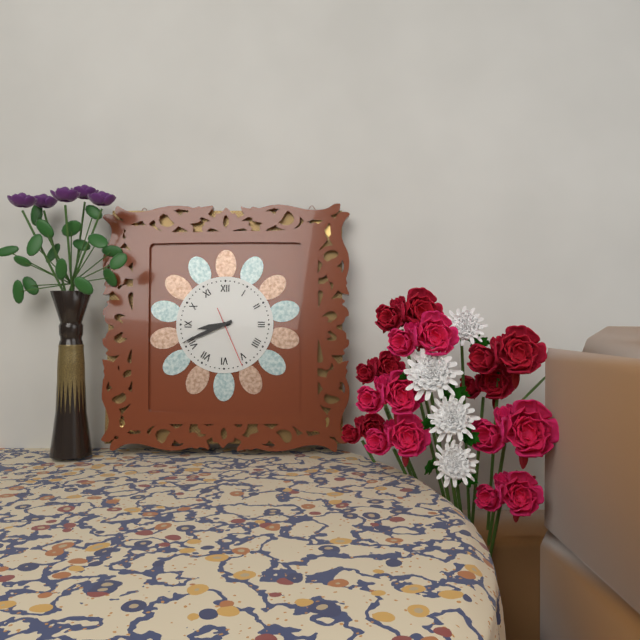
8:41:26
